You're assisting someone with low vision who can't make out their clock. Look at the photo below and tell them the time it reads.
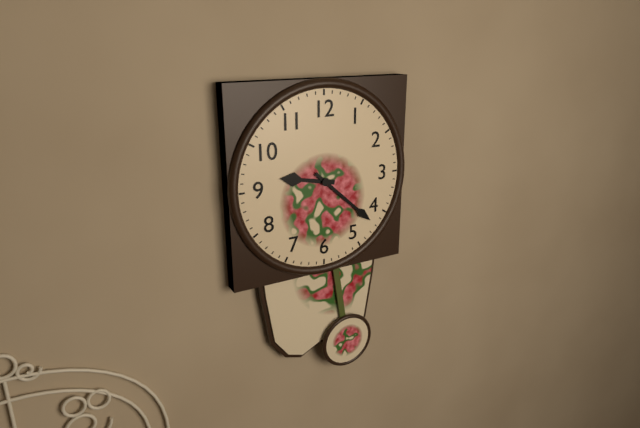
9:22
